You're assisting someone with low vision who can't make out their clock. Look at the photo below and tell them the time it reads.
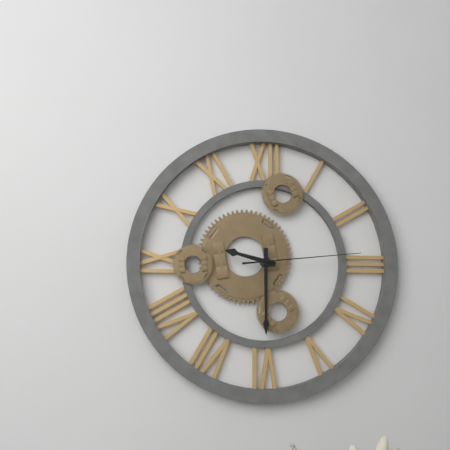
9:30:14
